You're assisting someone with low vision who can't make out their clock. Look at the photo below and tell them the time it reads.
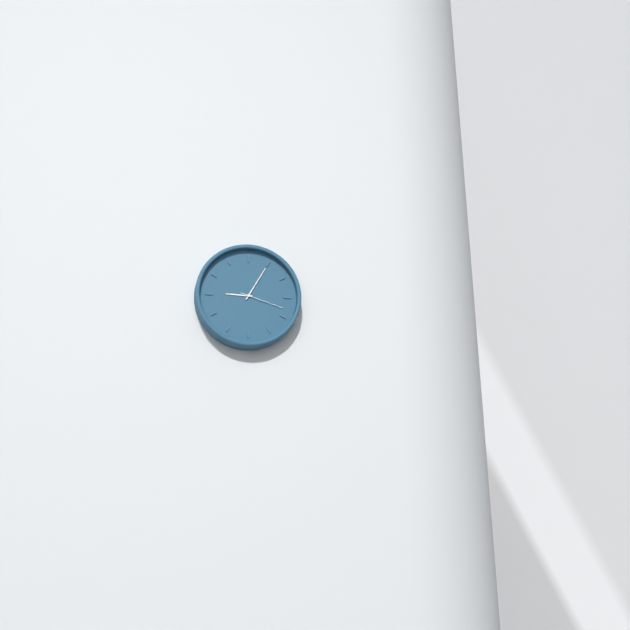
9:05
